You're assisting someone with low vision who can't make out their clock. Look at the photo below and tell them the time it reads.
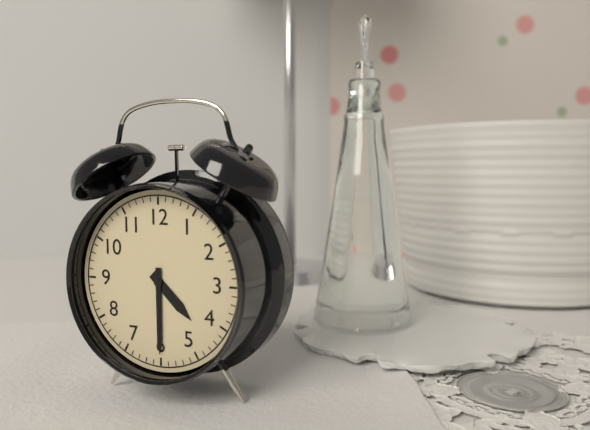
4:30
